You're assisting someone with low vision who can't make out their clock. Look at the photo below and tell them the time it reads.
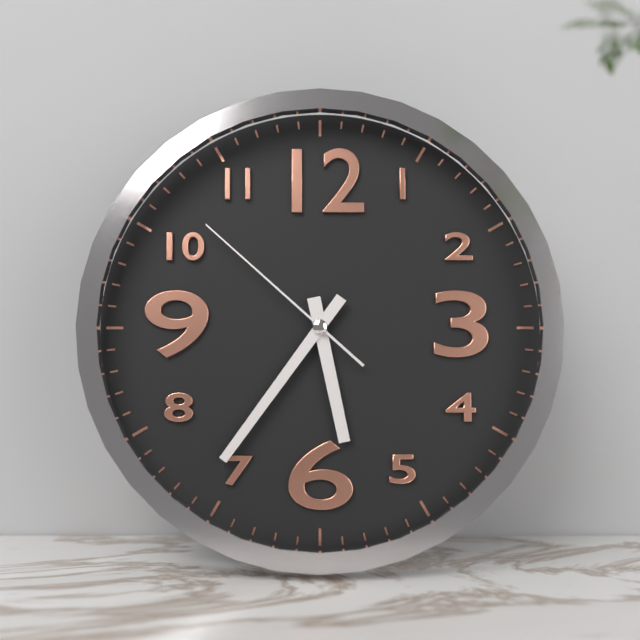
5:36:52
